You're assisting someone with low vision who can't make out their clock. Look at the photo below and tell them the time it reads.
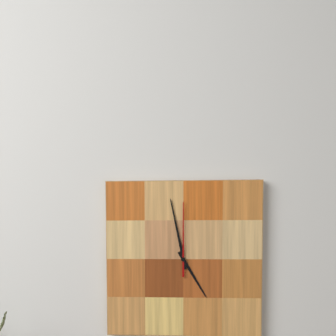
4:58:00
